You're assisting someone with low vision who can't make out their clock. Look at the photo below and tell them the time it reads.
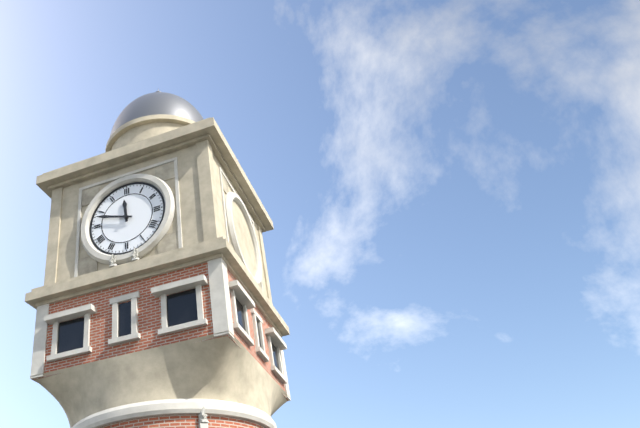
11:48
